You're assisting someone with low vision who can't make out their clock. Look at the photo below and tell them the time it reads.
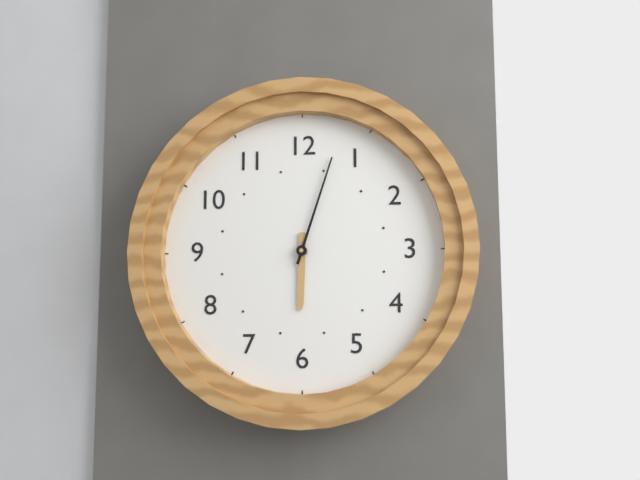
6:03
